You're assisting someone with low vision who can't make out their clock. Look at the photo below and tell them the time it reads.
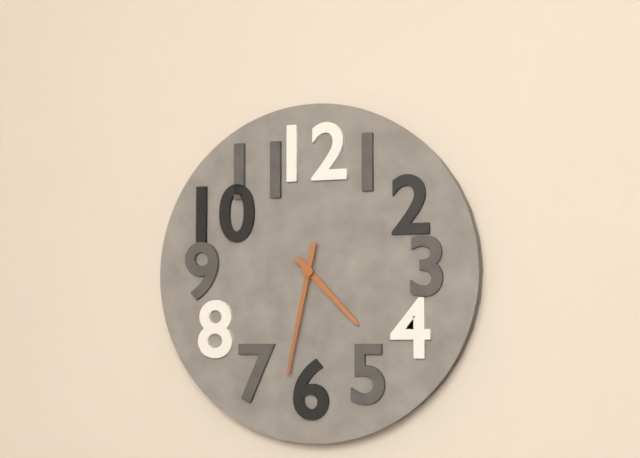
4:32
